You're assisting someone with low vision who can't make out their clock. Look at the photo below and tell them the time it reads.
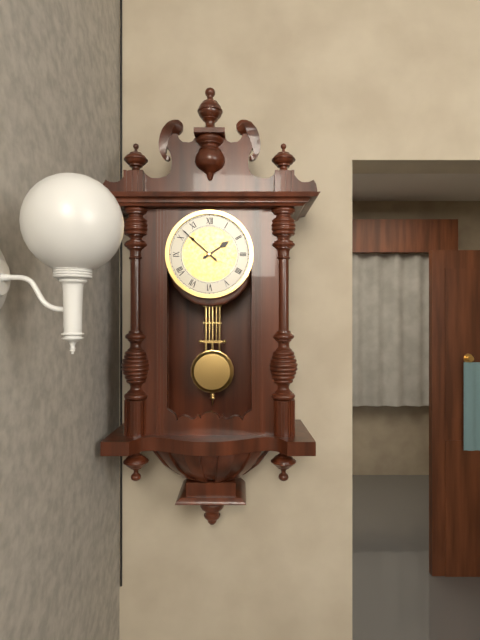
1:52
